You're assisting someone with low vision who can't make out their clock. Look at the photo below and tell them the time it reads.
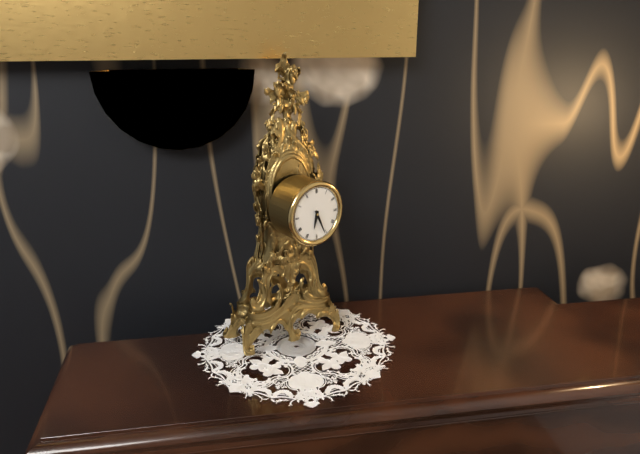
6:26
